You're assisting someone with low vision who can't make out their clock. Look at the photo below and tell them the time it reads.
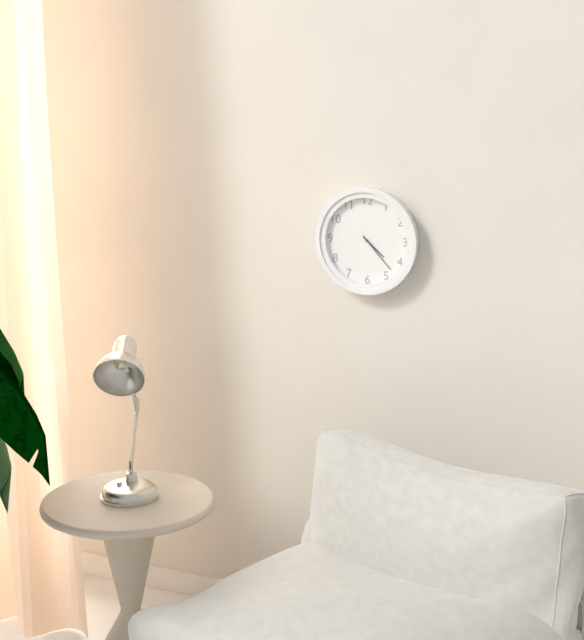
4:23
